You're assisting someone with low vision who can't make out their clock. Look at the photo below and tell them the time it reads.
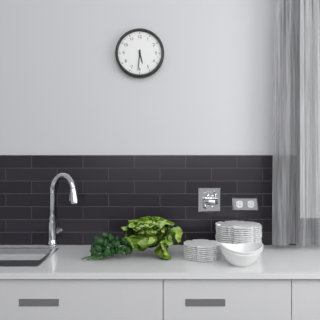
5:31
